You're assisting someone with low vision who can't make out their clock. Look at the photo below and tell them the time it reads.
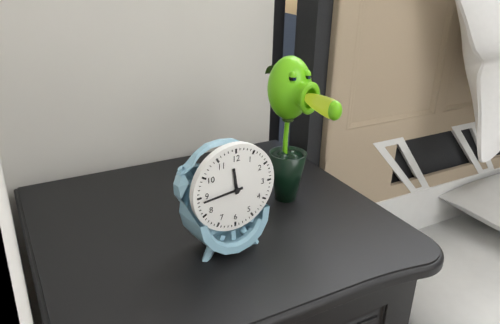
11:44
